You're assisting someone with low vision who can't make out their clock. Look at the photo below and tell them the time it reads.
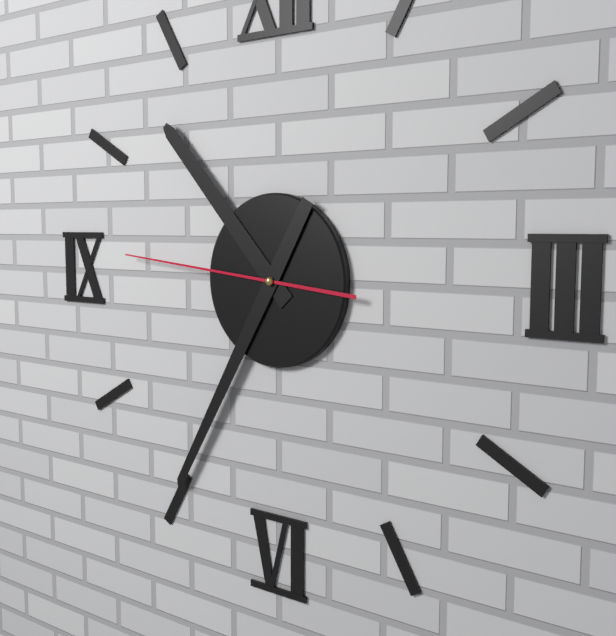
10:35:46
